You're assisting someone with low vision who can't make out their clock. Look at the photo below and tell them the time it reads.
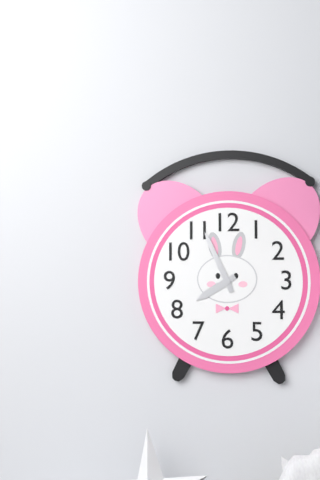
7:56
